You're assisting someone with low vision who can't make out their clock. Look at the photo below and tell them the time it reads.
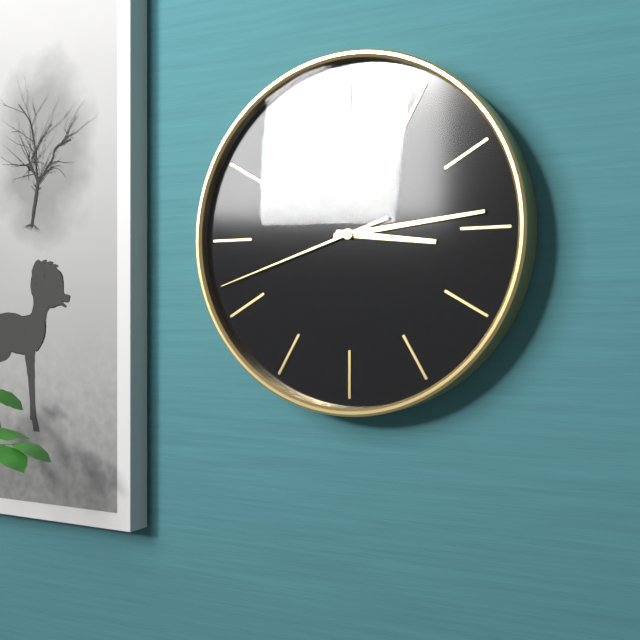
3:14:42
